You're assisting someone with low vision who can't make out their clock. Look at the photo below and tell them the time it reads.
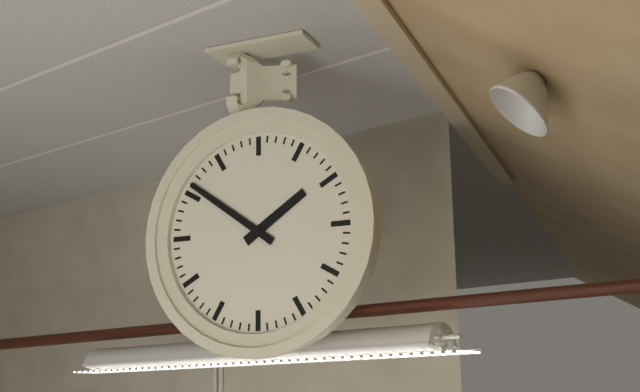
1:51
